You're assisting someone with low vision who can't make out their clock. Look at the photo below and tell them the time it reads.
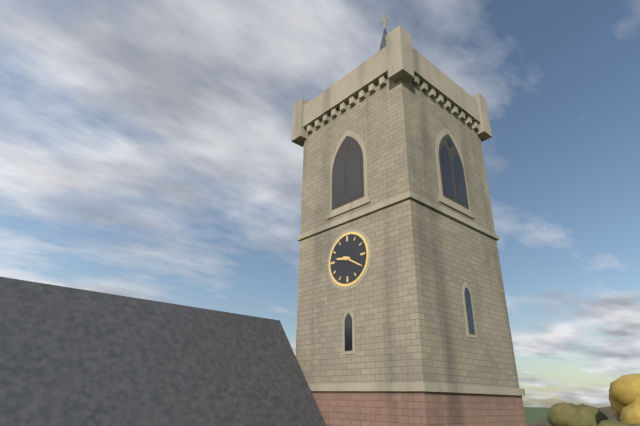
9:20
